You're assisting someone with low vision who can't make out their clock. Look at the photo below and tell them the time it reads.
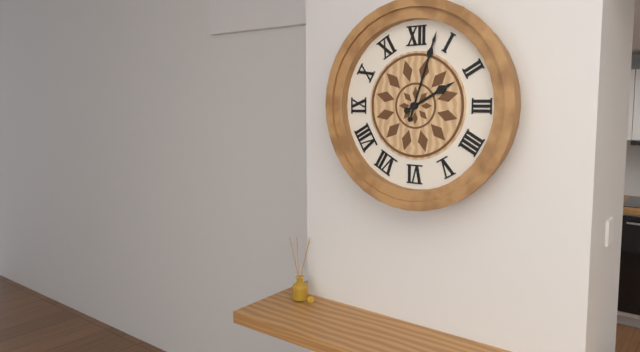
2:03
